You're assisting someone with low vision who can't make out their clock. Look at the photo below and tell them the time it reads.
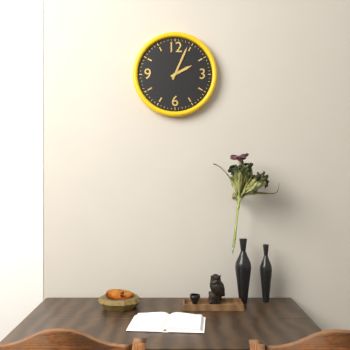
2:04
